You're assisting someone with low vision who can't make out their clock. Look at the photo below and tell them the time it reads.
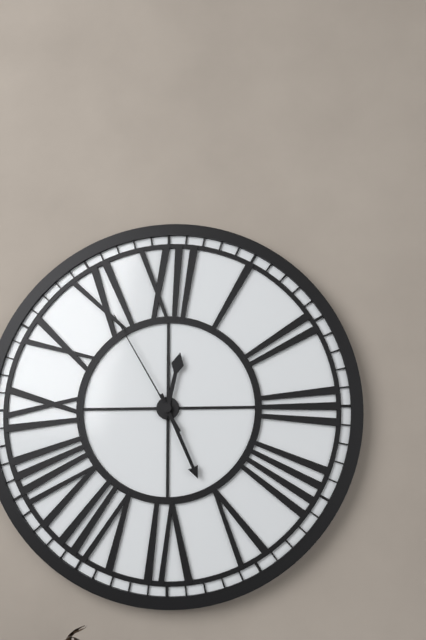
12:26:55
